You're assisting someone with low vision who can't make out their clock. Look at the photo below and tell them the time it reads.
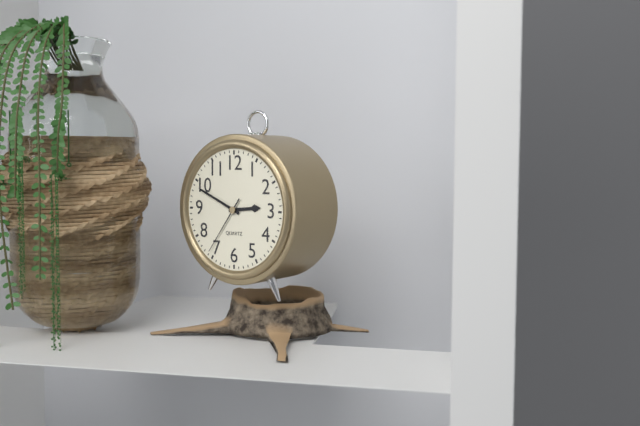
2:49:36
